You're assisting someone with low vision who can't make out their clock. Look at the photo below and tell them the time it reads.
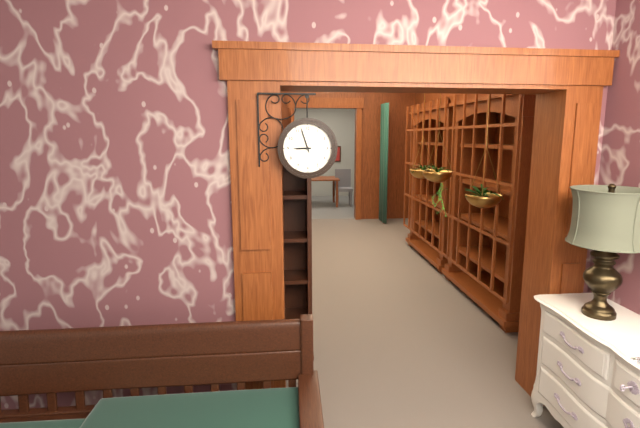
8:57
